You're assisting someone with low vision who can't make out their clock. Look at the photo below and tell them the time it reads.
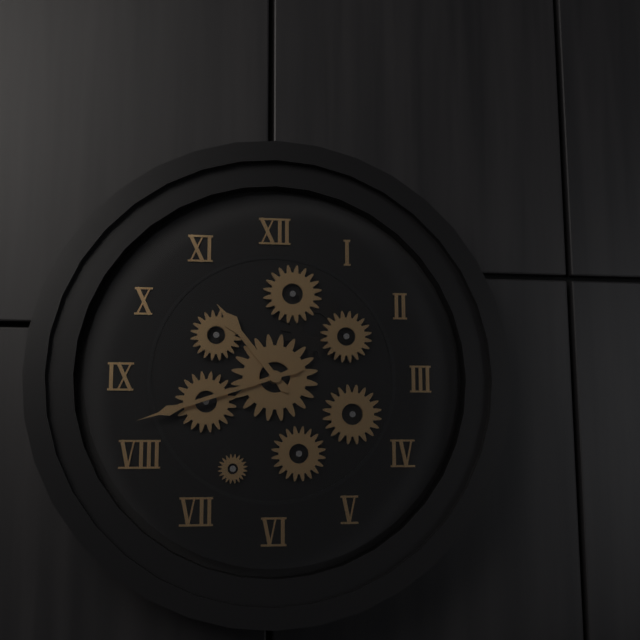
10:42
